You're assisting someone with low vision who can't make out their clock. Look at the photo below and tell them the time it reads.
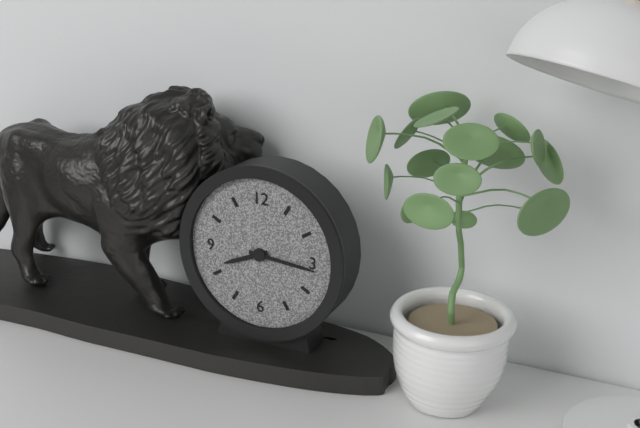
8:16
